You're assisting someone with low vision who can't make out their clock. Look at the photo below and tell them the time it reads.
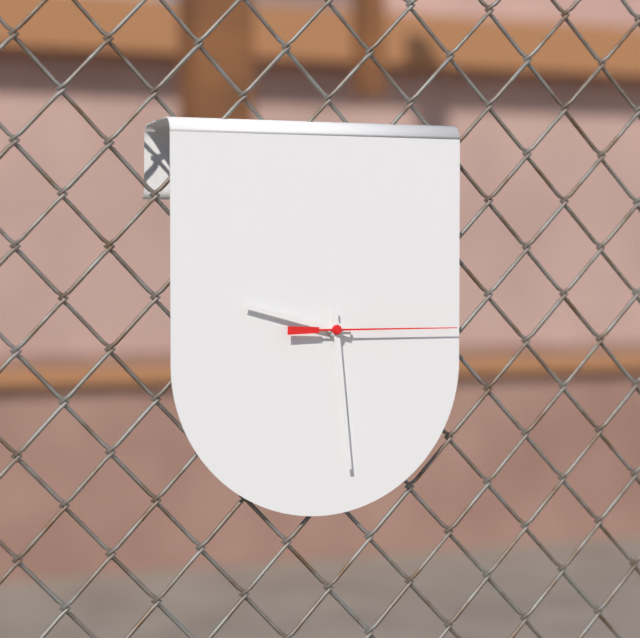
9:29:15
